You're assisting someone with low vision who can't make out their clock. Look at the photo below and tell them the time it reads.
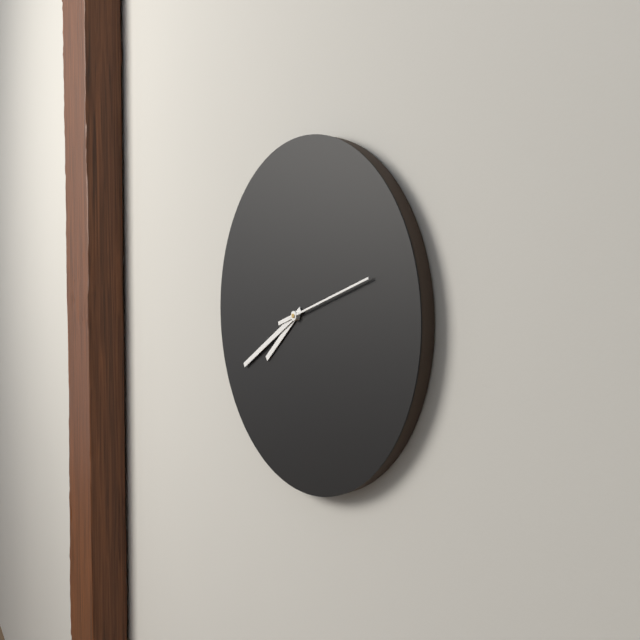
7:40:12
